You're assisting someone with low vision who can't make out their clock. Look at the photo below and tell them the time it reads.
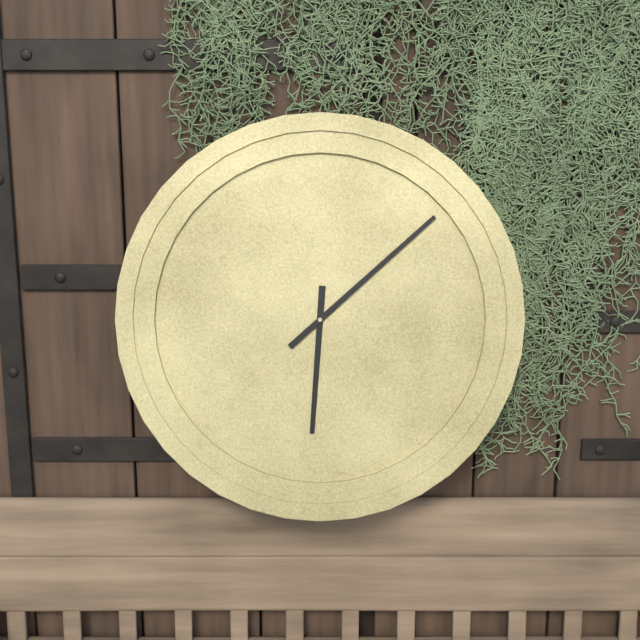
6:08
